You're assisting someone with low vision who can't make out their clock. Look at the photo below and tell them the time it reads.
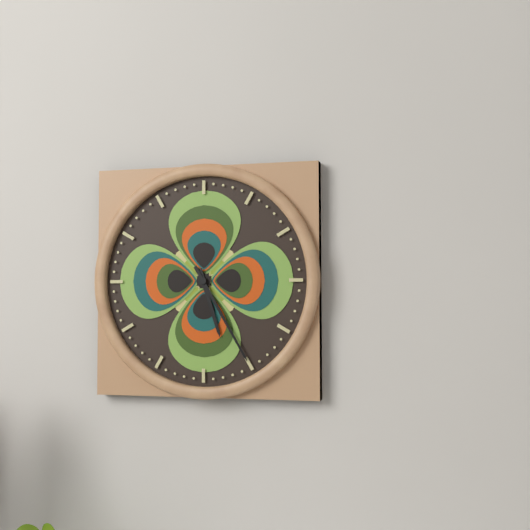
5:25
